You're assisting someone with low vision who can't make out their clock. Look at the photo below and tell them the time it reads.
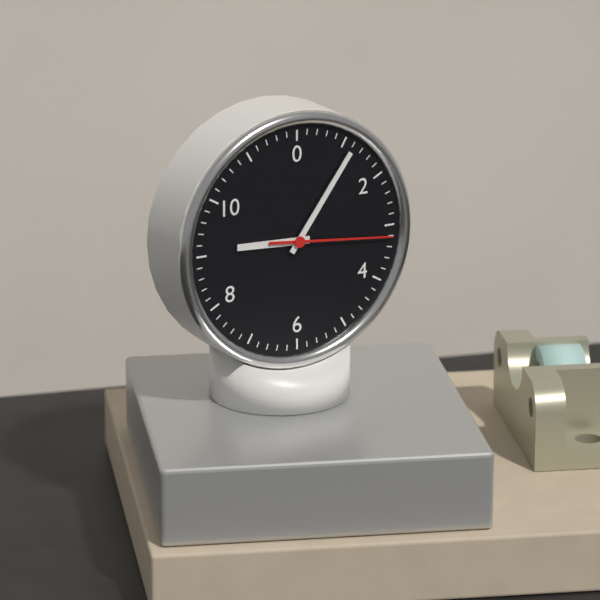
9:06:16
